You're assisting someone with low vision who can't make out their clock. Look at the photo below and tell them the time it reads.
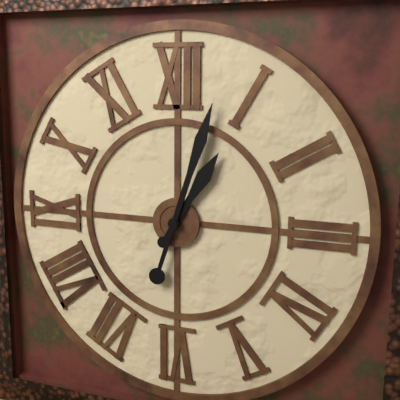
1:03
